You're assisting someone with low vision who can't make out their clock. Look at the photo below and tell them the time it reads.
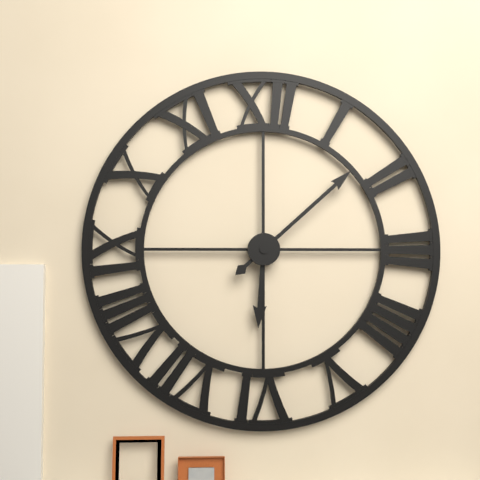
6:08
